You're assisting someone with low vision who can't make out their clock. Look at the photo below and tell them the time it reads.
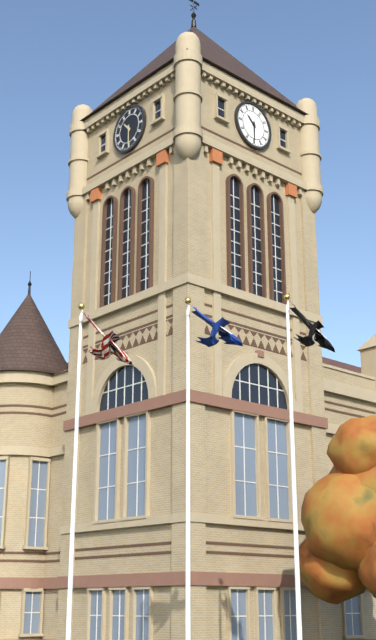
10:30
